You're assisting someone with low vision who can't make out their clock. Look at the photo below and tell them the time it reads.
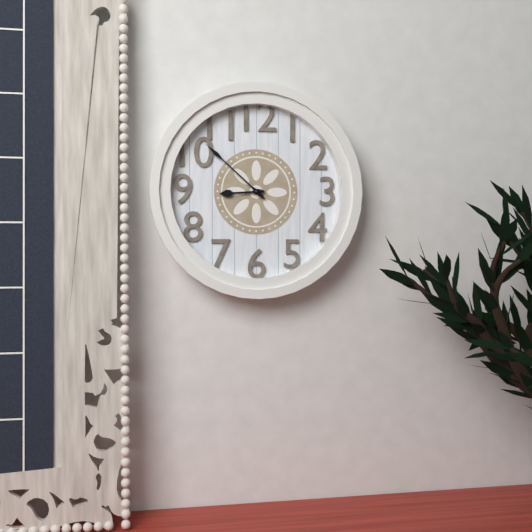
8:52
